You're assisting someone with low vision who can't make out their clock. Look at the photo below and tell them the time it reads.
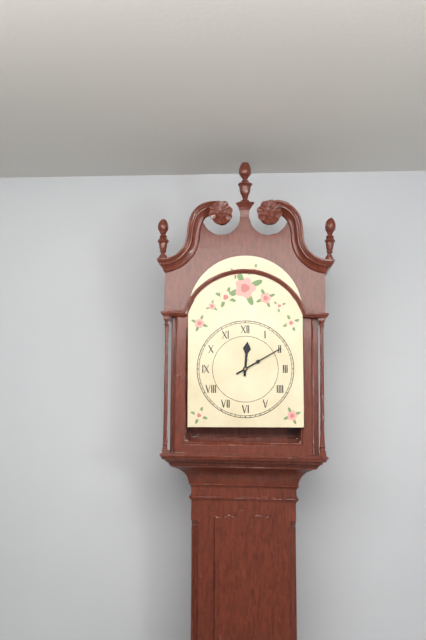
12:10
